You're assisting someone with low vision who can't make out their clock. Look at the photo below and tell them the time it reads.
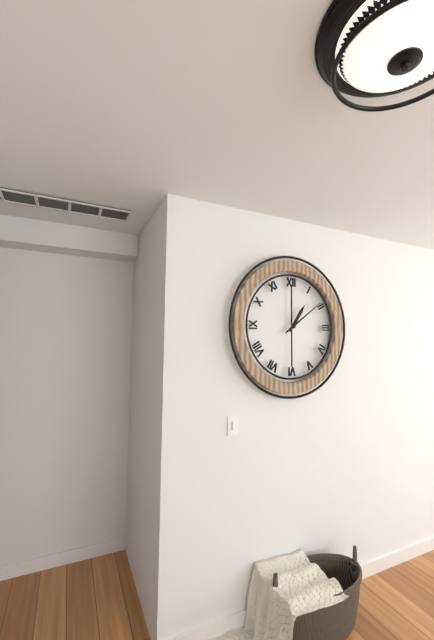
1:09
